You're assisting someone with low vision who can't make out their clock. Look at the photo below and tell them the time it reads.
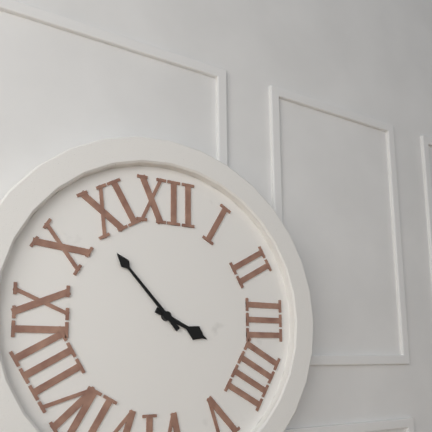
3:53
